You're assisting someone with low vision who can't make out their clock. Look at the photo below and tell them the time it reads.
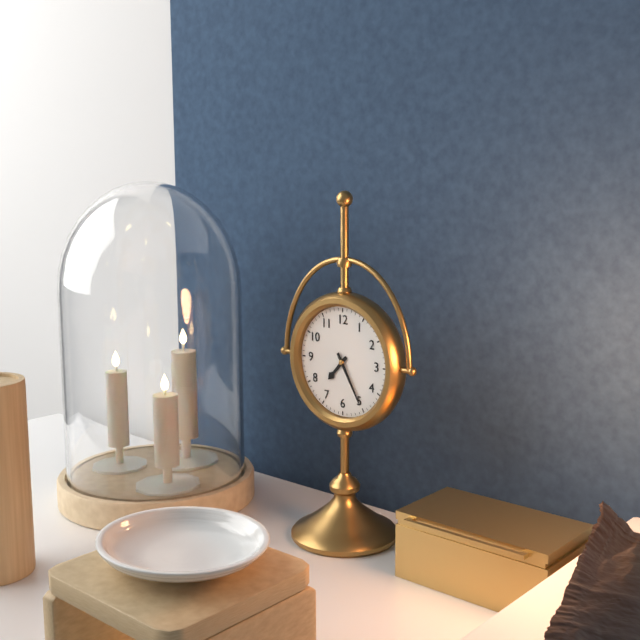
7:25
